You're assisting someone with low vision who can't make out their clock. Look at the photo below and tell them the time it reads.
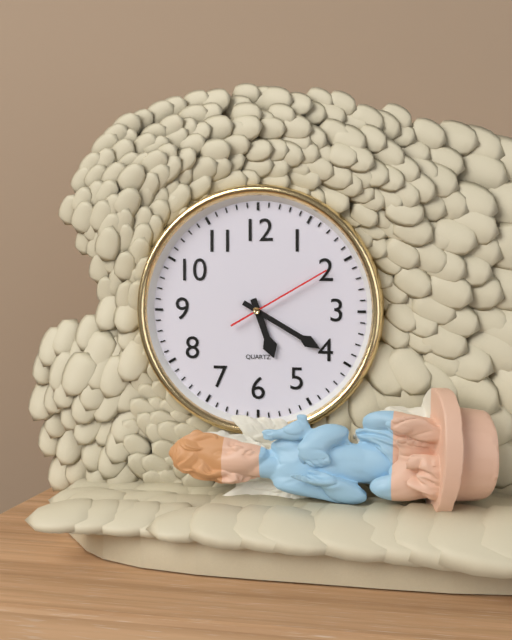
5:20:10
